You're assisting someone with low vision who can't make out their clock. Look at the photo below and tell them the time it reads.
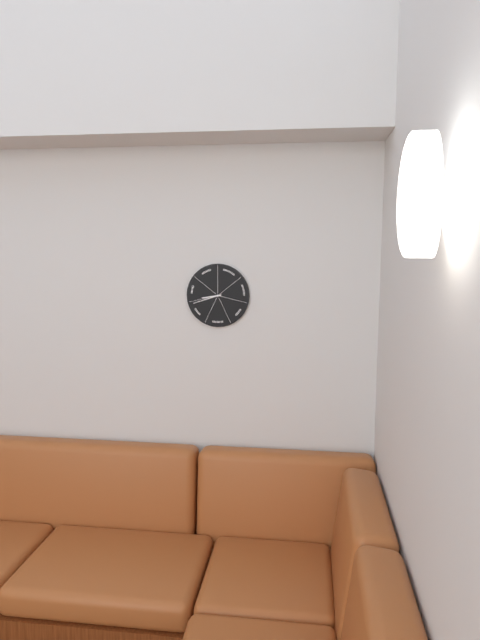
8:42
